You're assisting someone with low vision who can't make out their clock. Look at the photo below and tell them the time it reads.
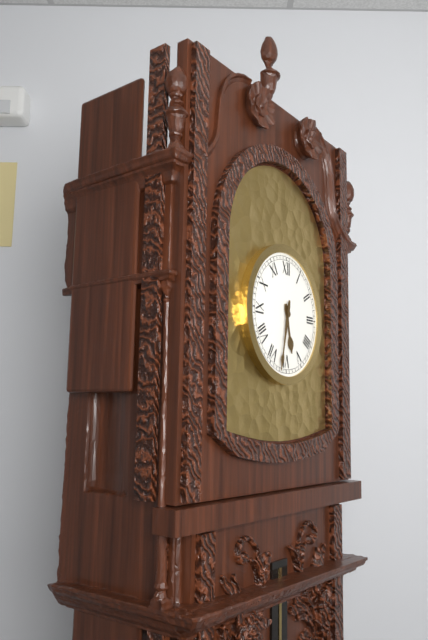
5:32
